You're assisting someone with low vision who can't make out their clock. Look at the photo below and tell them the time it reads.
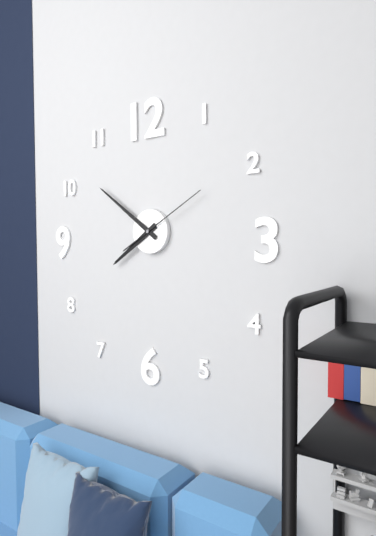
7:51:10
